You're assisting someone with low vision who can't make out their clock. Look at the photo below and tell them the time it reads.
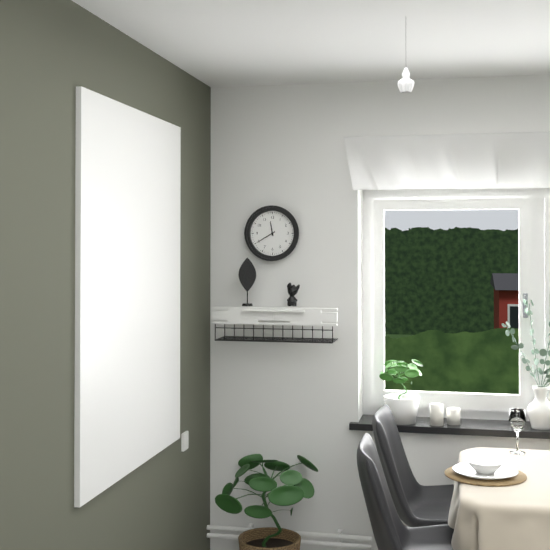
11:40
